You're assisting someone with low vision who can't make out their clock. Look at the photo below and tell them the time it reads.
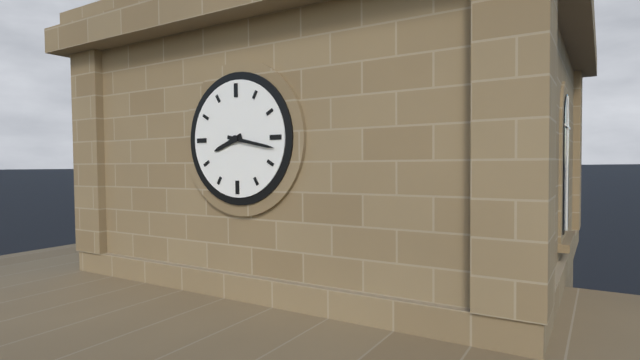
8:17
